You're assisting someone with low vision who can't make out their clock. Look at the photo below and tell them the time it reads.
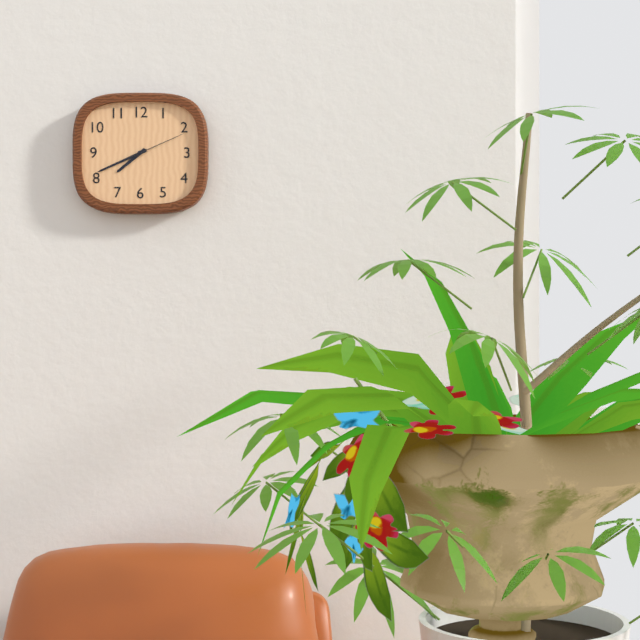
7:41:11
